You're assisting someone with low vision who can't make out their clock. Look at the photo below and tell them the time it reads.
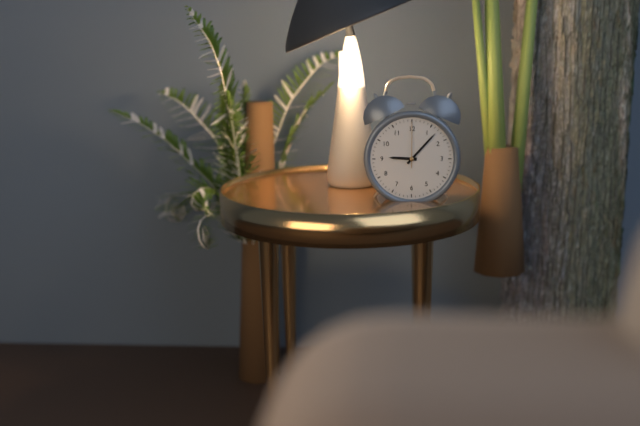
9:07
